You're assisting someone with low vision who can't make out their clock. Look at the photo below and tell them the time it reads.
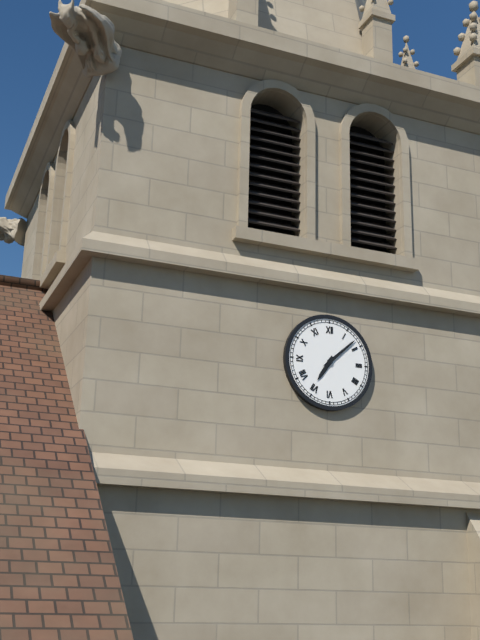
7:08
